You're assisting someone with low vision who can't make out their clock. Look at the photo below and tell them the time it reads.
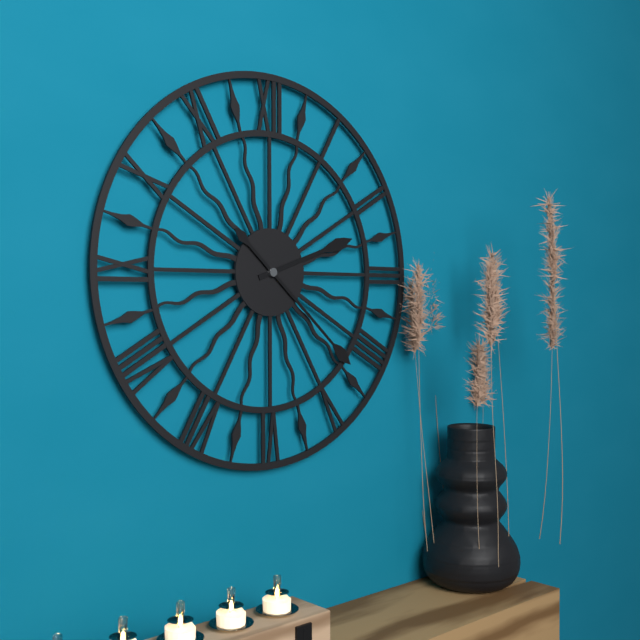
2:22
